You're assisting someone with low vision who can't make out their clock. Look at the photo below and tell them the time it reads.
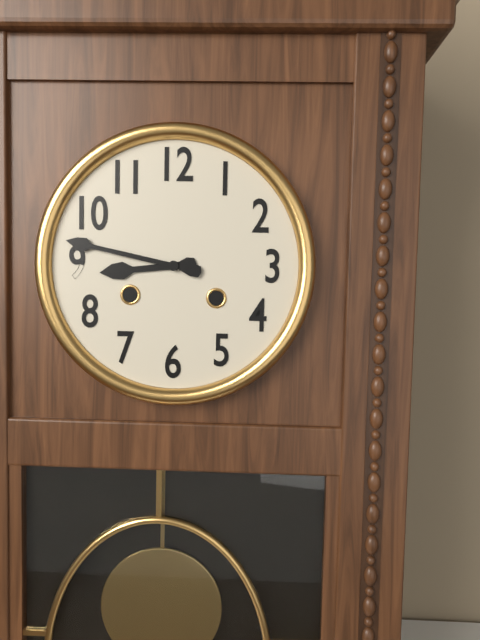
8:47
